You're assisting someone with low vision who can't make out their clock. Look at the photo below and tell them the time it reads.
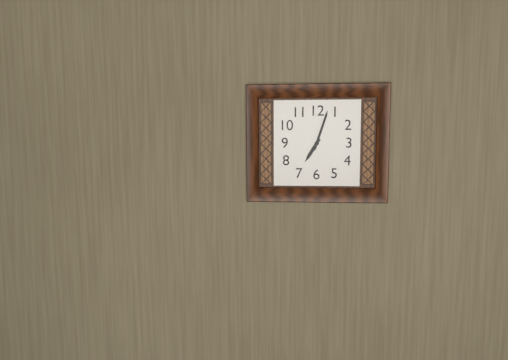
7:03
